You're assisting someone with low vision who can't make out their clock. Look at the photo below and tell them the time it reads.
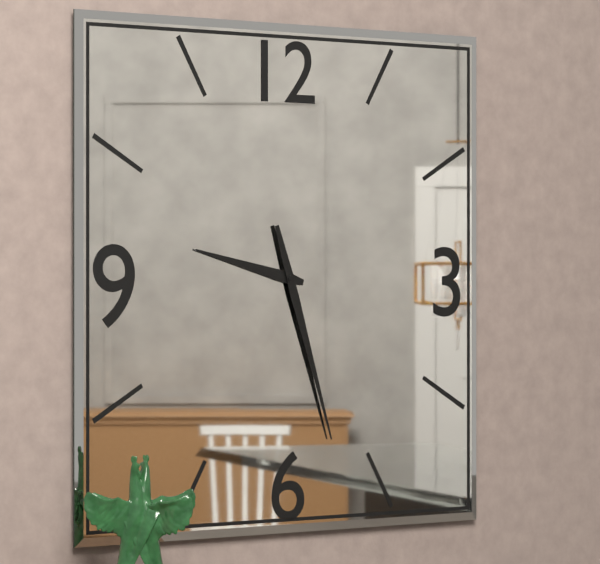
9:27
